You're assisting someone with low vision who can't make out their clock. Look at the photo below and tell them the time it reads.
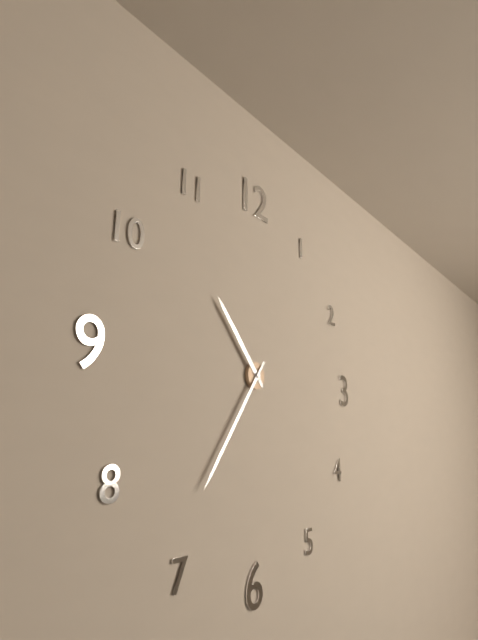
10:36
